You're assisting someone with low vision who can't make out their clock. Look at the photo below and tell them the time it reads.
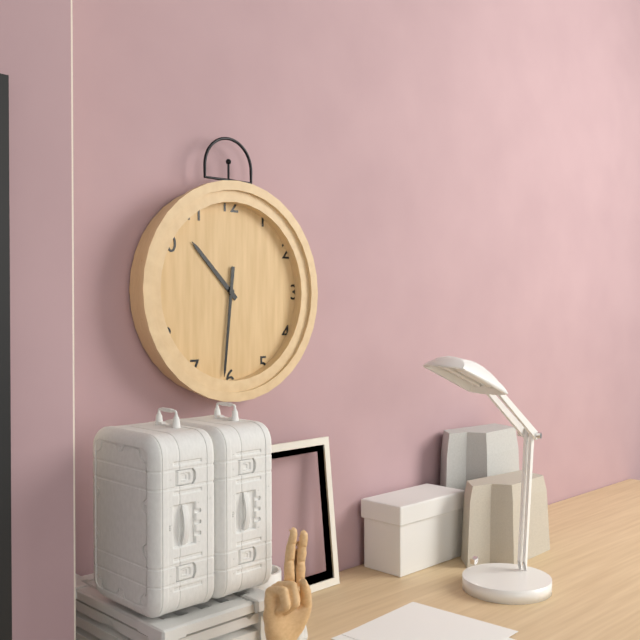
10:31
